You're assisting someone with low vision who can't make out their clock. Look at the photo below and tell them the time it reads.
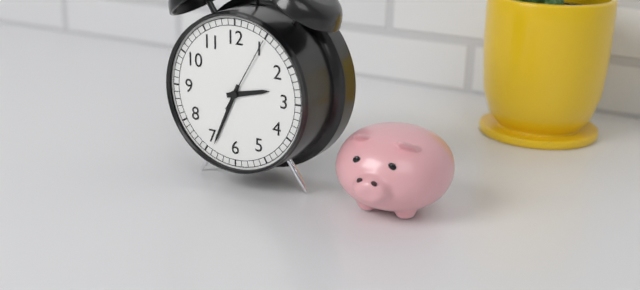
2:34:05
